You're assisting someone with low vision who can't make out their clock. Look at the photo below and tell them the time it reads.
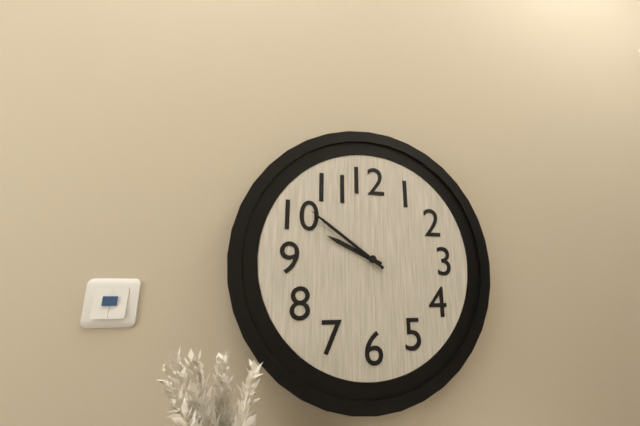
9:51
